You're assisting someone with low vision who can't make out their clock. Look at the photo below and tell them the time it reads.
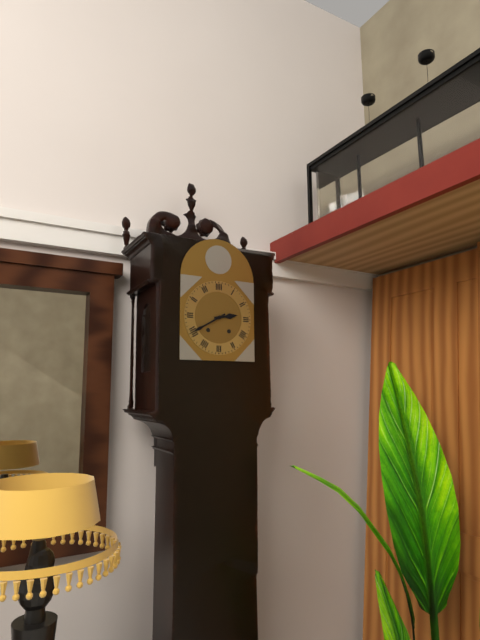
2:40
